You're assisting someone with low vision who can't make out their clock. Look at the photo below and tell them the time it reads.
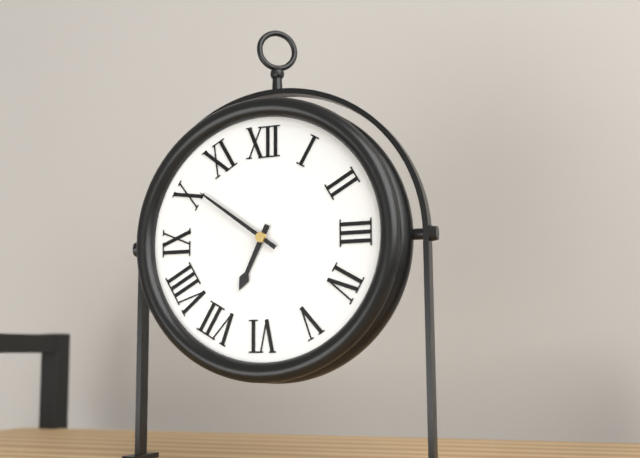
6:51
